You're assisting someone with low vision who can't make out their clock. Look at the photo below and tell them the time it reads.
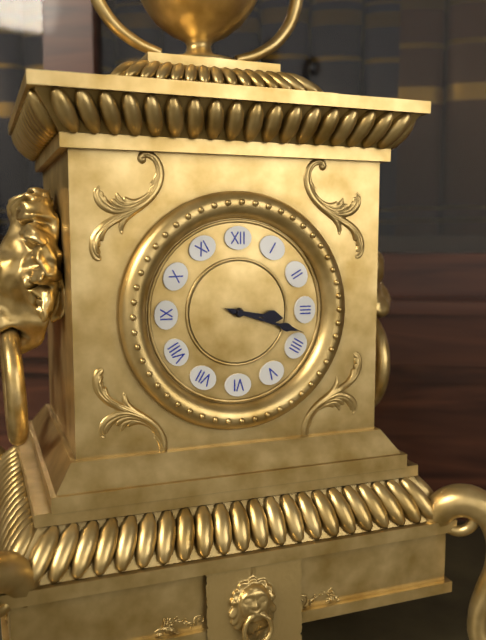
3:18
